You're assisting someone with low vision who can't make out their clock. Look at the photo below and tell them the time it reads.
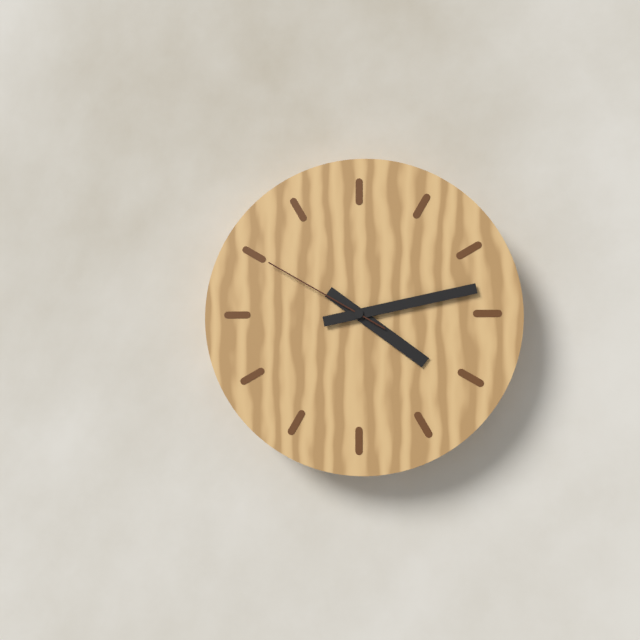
4:13:50
